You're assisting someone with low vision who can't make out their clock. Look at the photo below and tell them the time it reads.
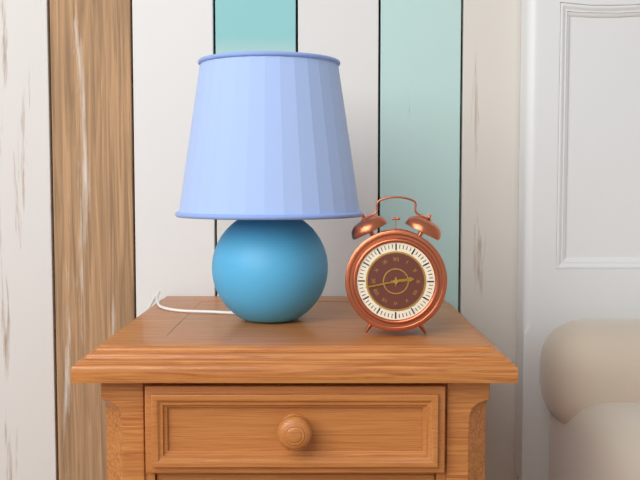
2:43
